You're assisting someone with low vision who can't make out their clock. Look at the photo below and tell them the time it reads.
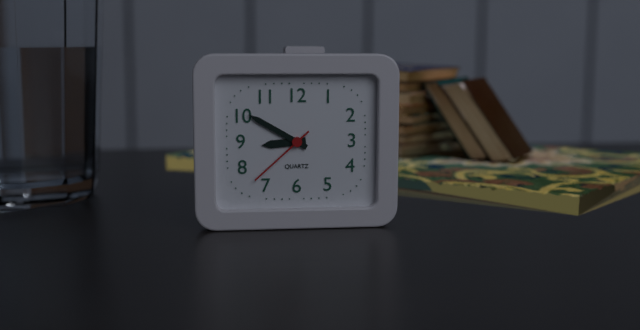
8:50:38
